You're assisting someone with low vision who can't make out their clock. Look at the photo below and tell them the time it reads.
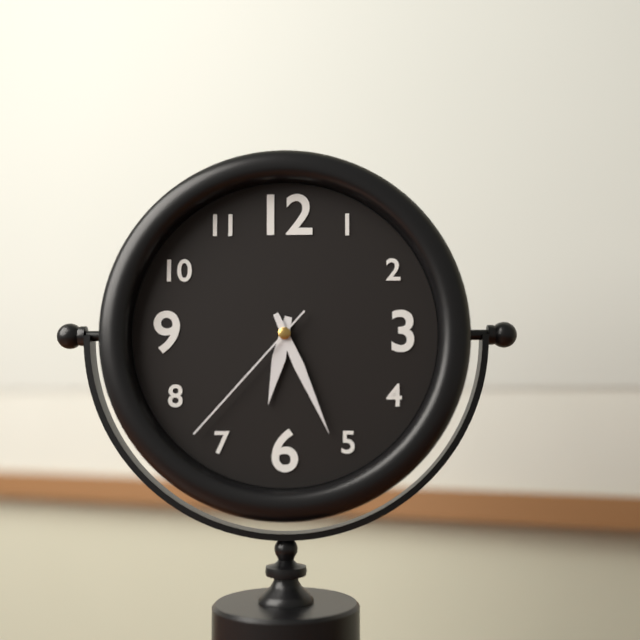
6:26:37
